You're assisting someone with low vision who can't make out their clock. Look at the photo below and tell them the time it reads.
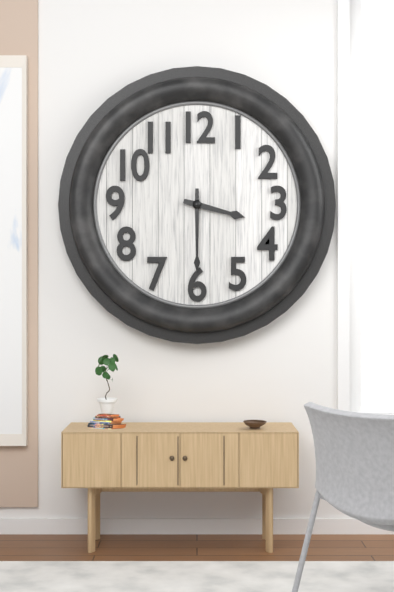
3:30
